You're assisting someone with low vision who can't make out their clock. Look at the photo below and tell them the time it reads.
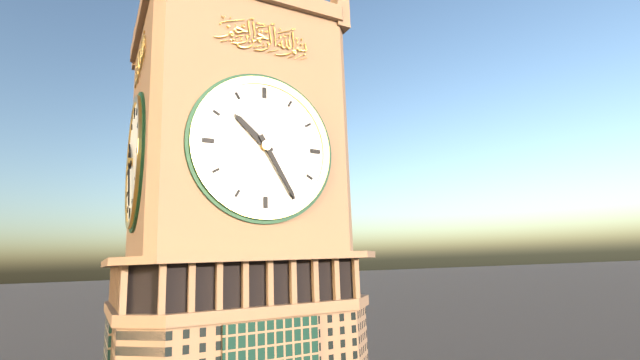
10:25
